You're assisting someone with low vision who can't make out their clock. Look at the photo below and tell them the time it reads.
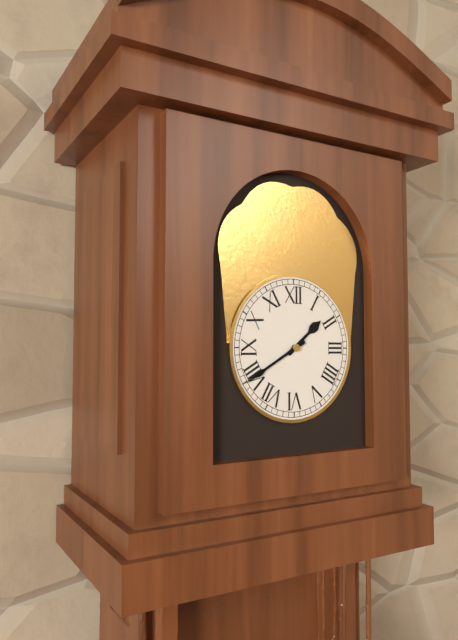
1:40
